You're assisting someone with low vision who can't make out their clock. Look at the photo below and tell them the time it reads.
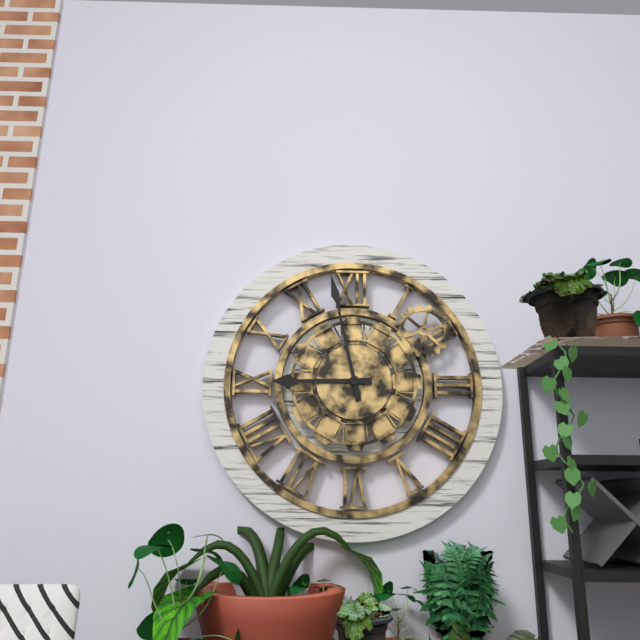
8:58
